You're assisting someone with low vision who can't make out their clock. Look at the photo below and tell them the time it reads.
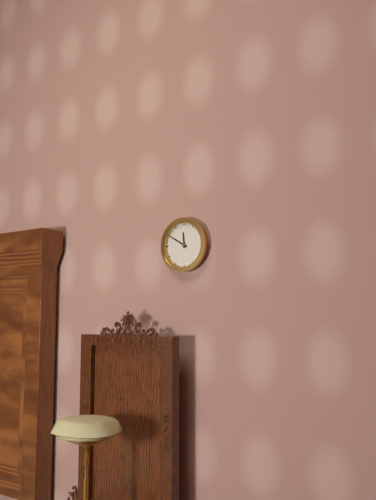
11:50
